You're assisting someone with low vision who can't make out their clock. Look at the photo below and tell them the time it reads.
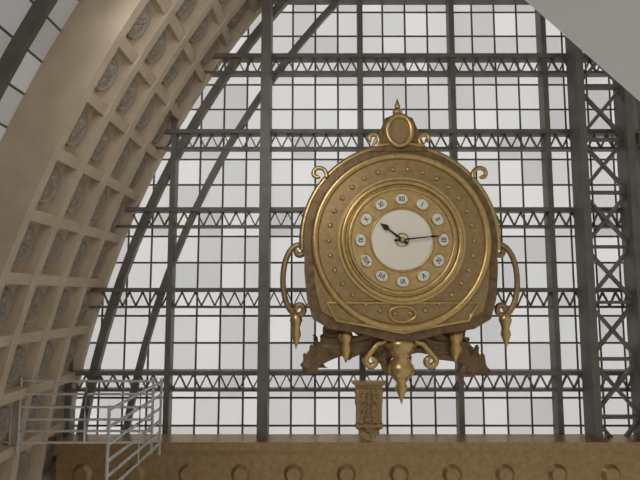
10:14
